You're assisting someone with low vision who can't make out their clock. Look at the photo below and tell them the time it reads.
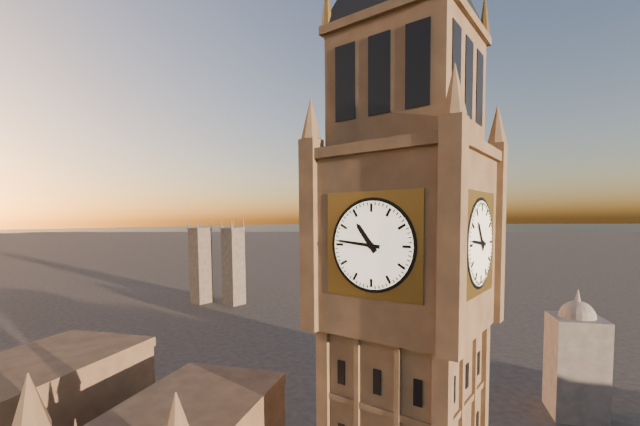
10:46
